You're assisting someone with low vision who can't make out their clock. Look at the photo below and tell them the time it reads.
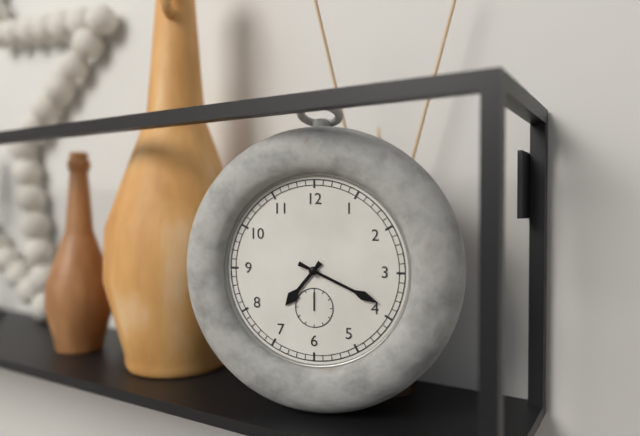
7:19
